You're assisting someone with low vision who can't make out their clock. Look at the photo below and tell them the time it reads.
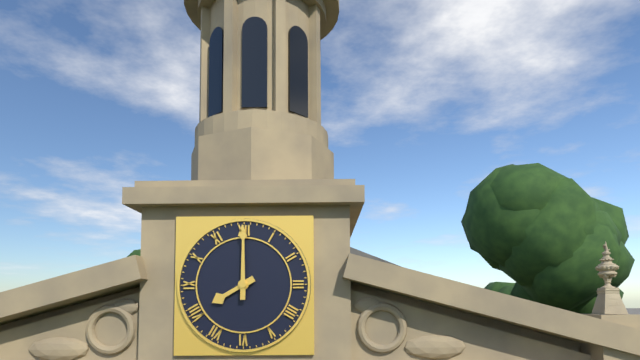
8:00
